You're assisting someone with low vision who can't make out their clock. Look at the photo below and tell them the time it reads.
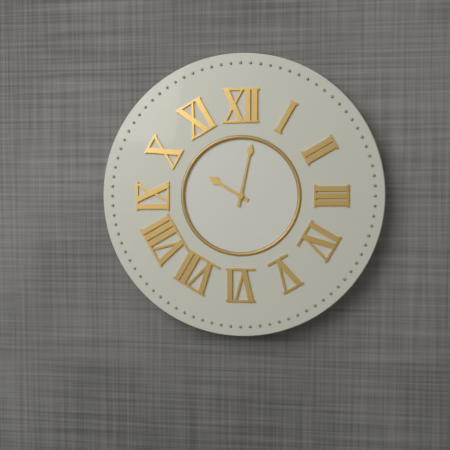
10:02
